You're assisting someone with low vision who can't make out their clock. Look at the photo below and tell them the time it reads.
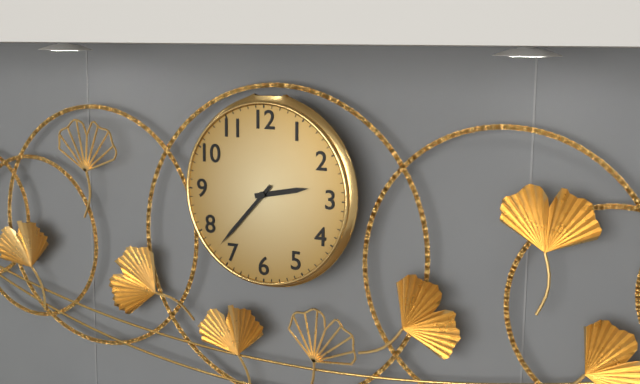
2:37
